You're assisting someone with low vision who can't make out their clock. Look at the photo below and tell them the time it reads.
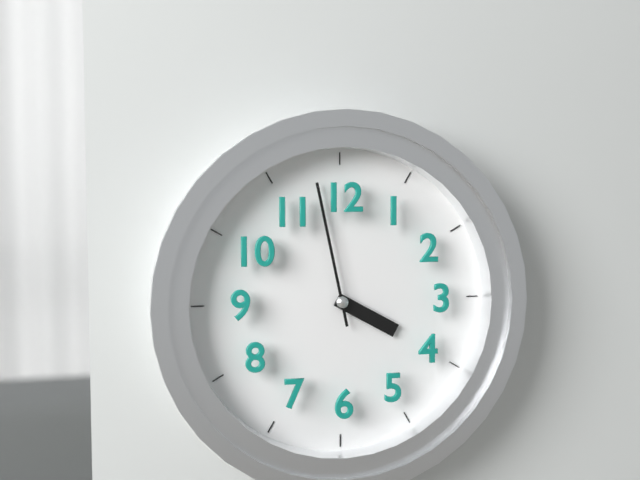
3:58
